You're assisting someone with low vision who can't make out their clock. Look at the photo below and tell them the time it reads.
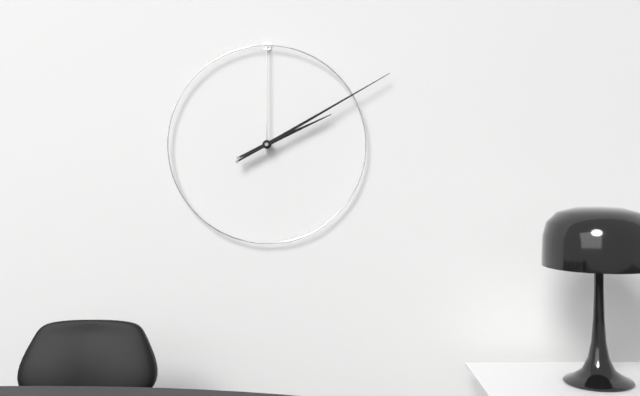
2:10
